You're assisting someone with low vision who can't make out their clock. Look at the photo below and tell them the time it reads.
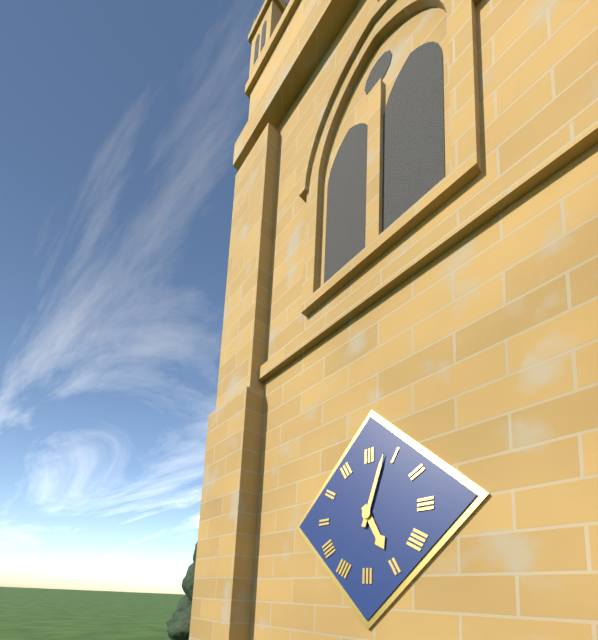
5:03
